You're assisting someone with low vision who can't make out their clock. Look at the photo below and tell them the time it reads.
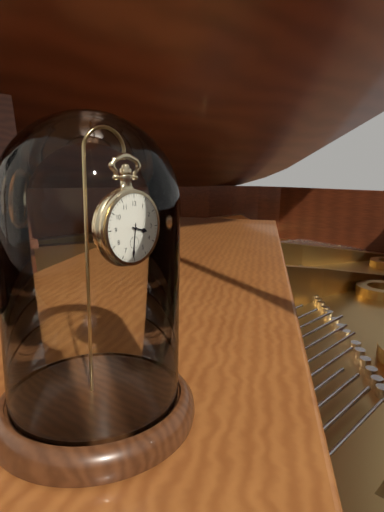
3:31
